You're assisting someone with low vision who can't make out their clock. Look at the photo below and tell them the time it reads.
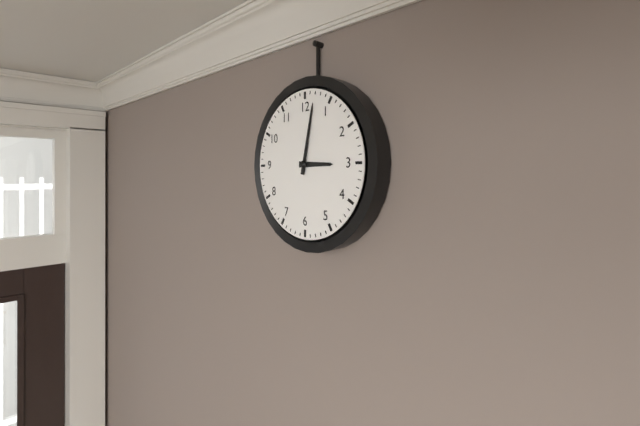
3:02
